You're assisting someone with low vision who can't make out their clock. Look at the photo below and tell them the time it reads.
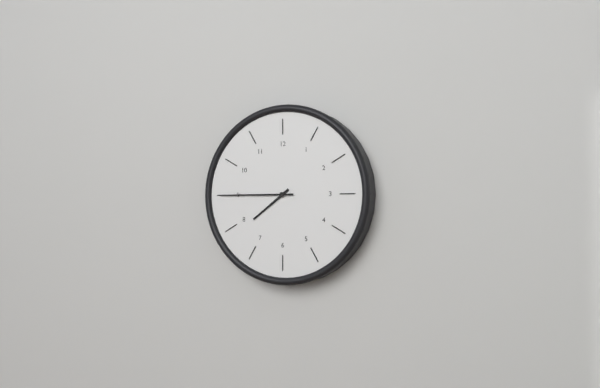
7:45
